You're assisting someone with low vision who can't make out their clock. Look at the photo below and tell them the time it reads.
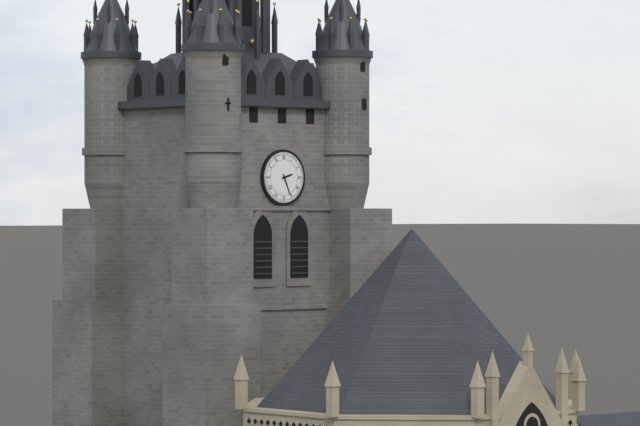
2:26
